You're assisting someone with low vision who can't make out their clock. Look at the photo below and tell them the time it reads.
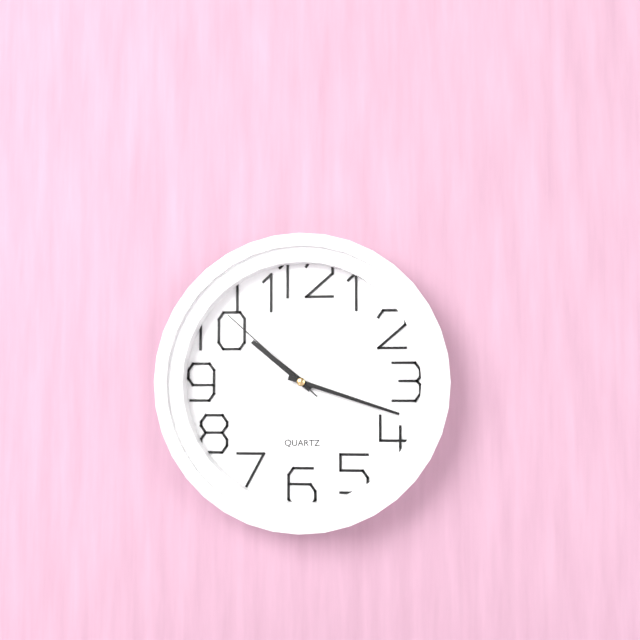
10:18:52
